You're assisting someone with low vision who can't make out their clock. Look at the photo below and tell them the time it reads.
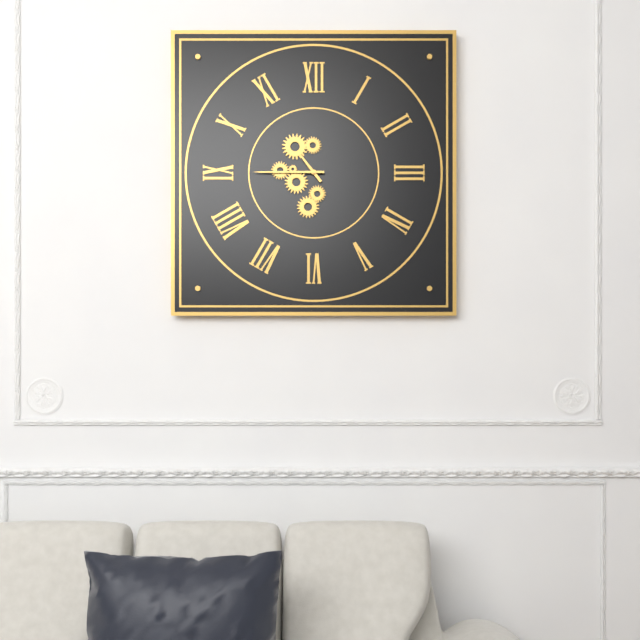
10:45
